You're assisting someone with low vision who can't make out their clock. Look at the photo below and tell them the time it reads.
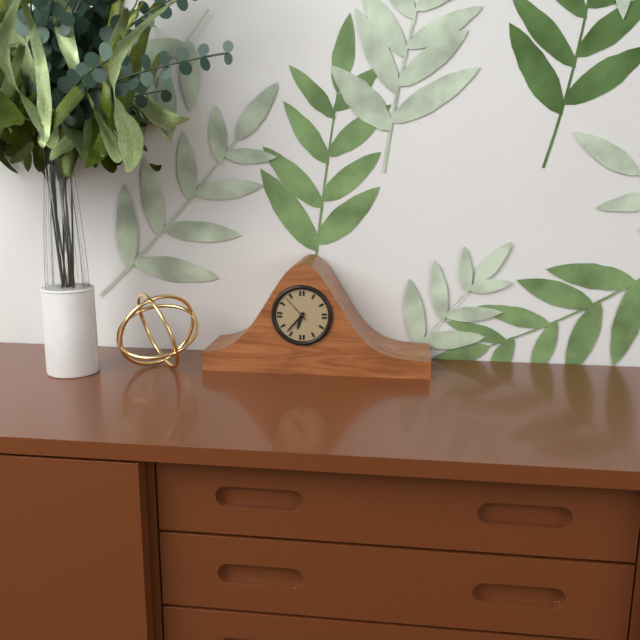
6:37
